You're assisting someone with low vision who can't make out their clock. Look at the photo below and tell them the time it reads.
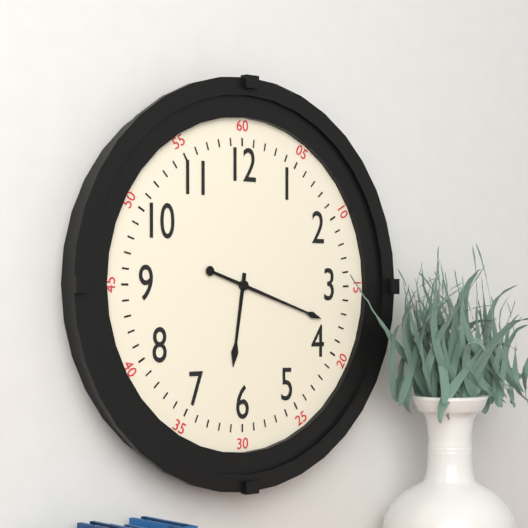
6:18
